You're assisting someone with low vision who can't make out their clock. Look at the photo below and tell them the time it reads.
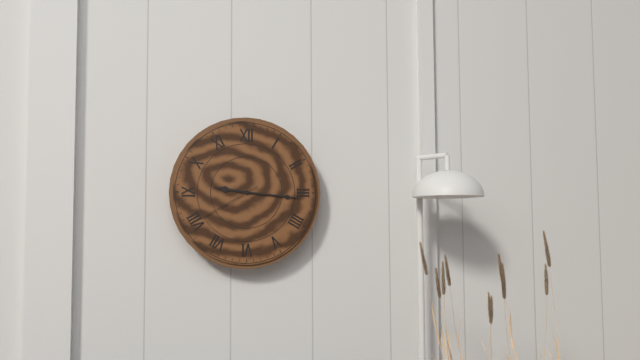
9:16:40
